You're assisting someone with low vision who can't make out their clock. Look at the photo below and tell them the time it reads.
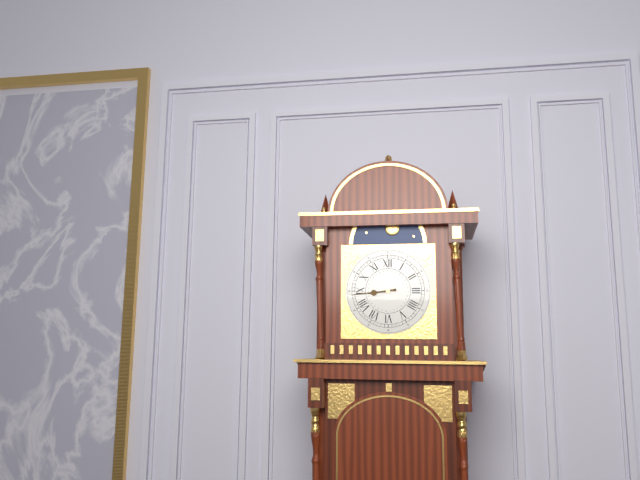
8:44
